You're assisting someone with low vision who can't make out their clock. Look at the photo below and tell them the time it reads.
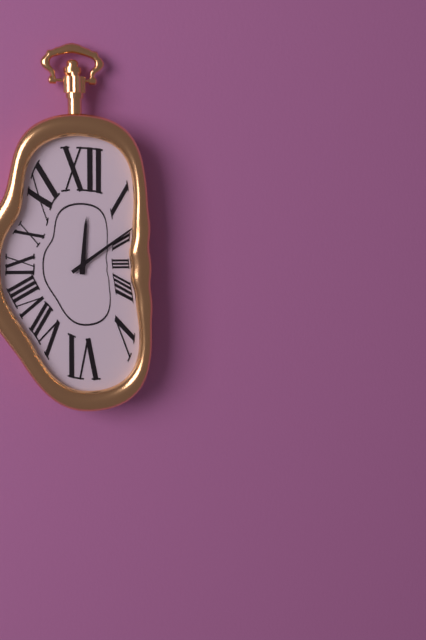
12:09
